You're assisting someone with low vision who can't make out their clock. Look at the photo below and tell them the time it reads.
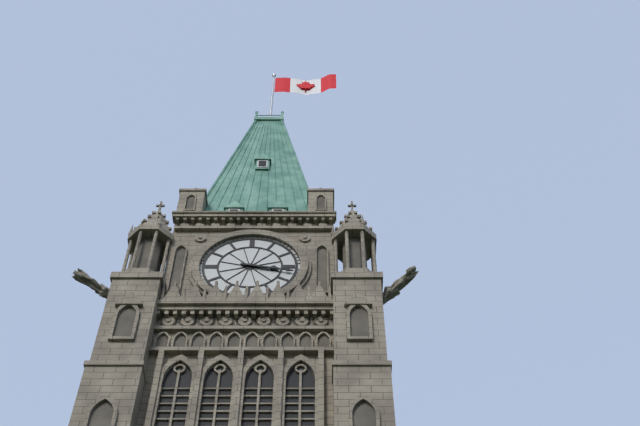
3:17
